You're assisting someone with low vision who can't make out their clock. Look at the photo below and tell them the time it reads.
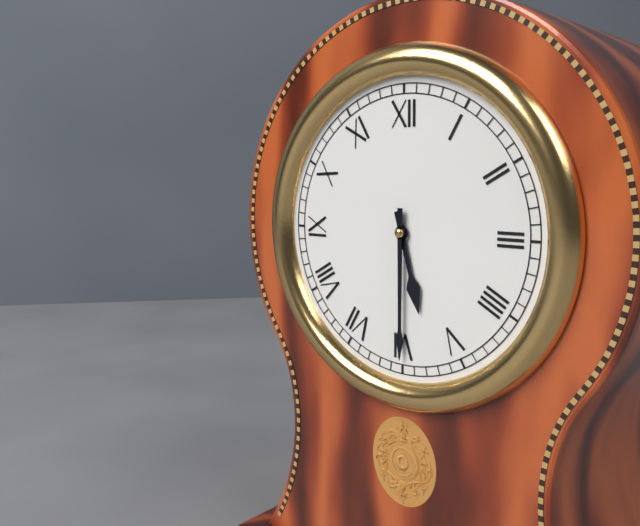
5:30
